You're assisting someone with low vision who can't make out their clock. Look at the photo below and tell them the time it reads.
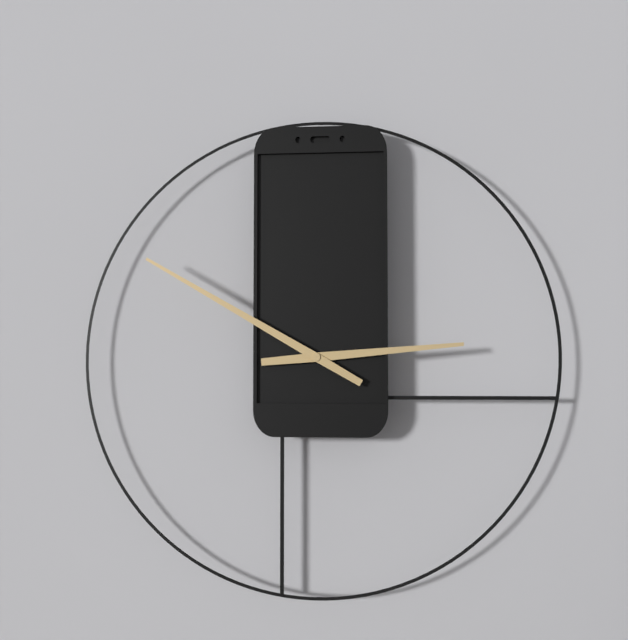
2:50
